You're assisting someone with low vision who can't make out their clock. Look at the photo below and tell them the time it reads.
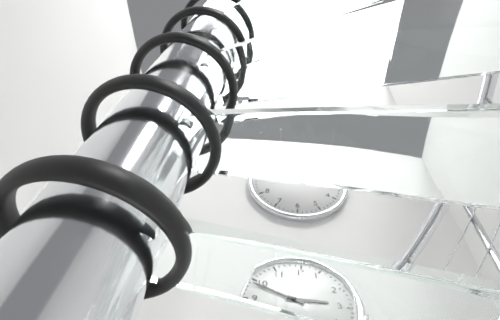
2:49
